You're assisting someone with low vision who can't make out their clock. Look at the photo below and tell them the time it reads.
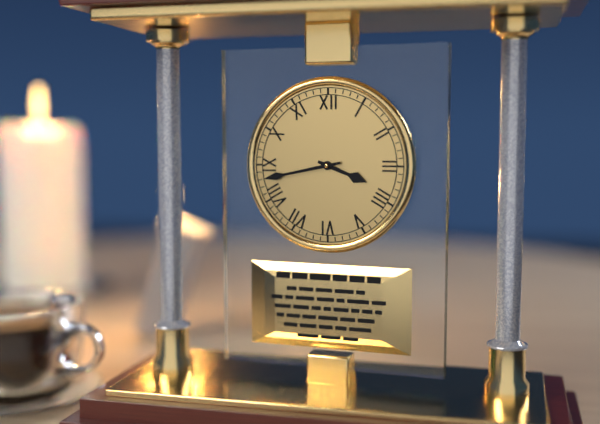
3:43
